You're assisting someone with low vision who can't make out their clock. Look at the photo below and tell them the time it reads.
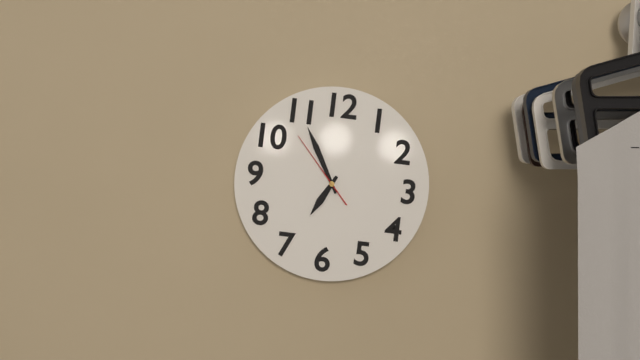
6:55:53
